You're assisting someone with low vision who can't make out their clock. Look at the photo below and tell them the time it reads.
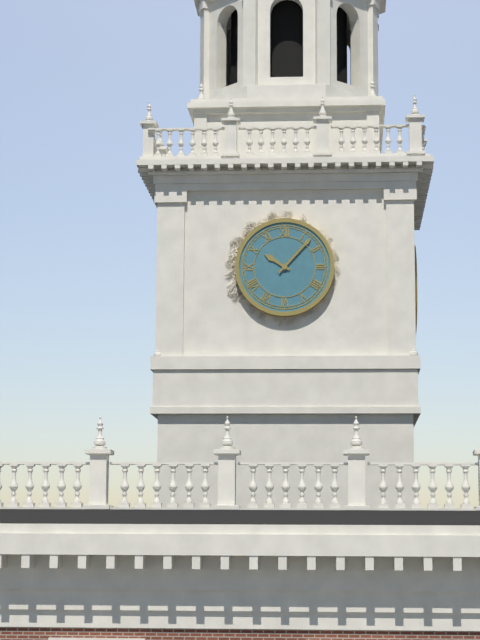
10:07
